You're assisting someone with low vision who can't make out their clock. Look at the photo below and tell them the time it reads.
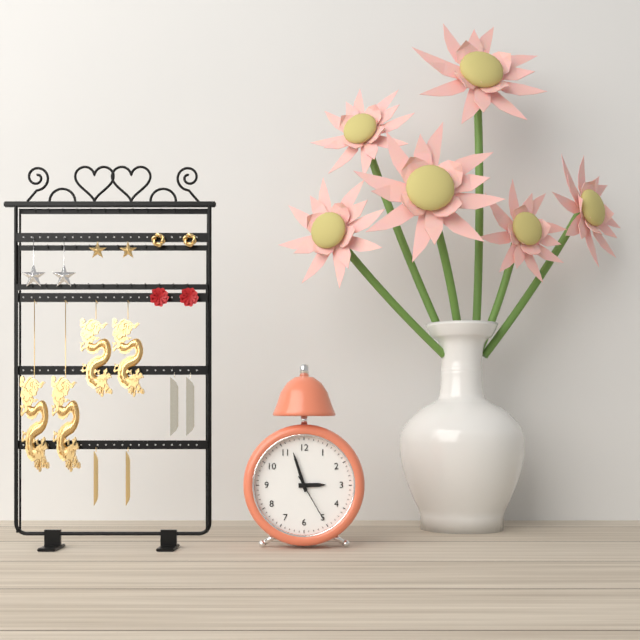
2:57
